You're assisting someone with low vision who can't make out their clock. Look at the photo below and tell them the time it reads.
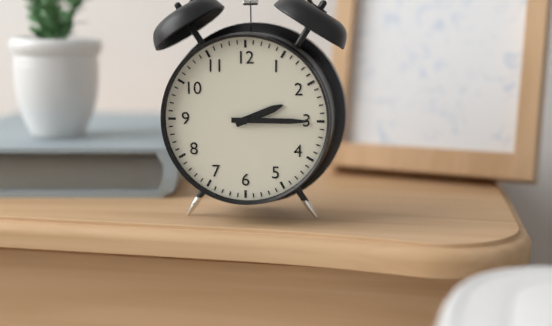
2:15
